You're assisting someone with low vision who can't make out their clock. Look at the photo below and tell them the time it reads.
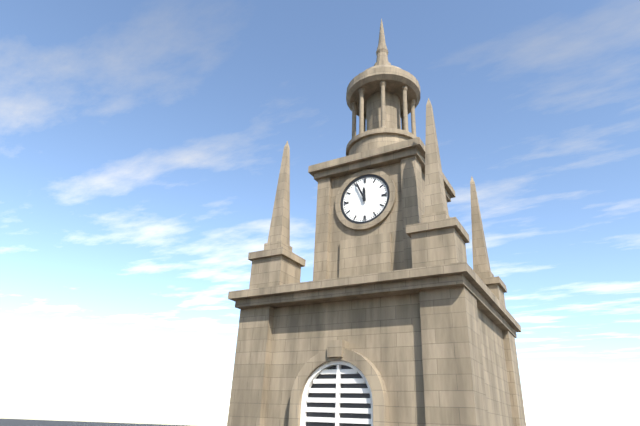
11:56
